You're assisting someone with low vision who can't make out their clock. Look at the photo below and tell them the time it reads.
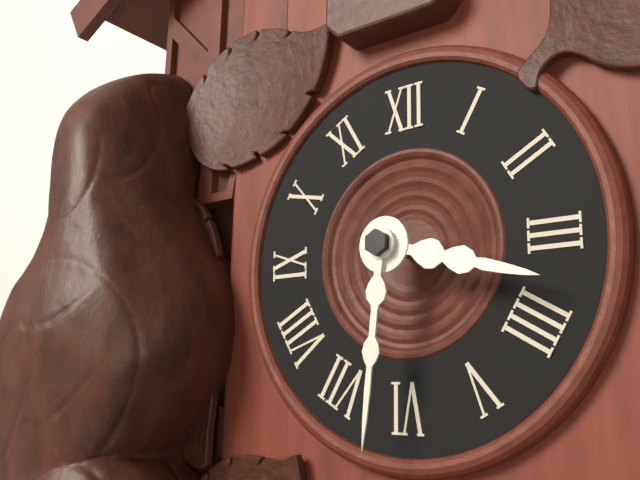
3:31
